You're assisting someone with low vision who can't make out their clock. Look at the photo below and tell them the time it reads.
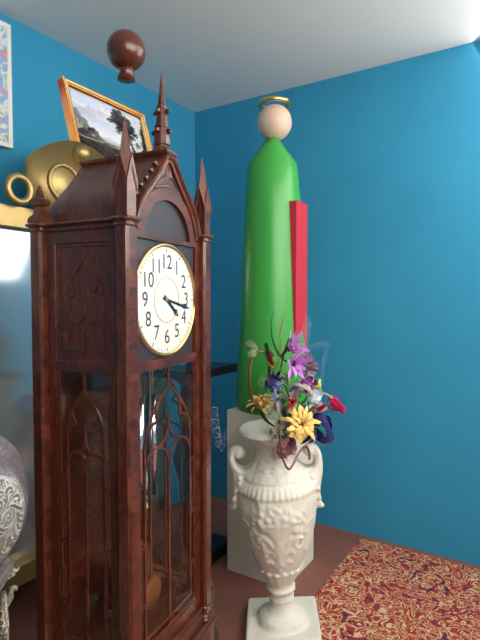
4:17
